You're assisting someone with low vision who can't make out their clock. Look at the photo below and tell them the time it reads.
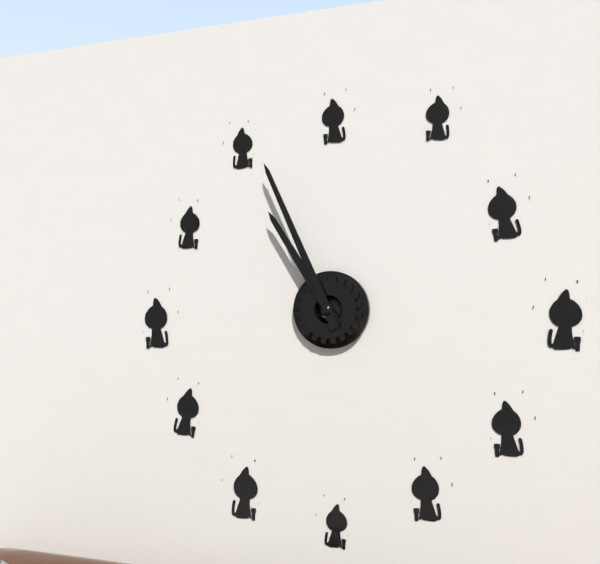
10:56
